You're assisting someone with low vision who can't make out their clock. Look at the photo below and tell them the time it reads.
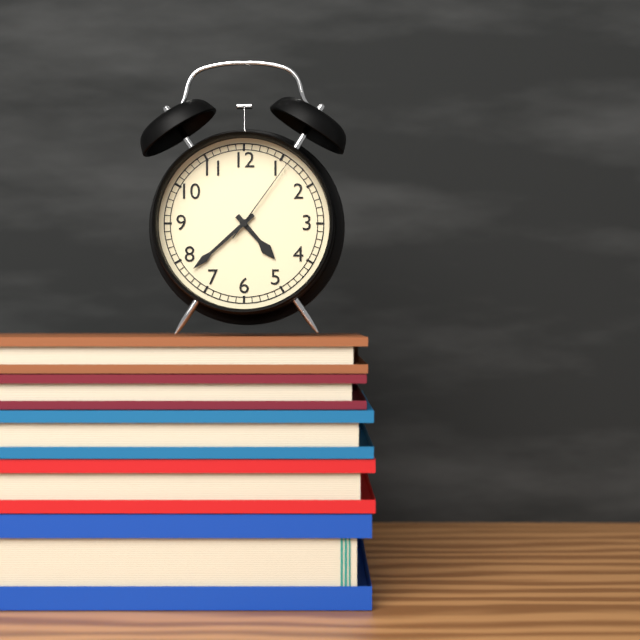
4:38:06
